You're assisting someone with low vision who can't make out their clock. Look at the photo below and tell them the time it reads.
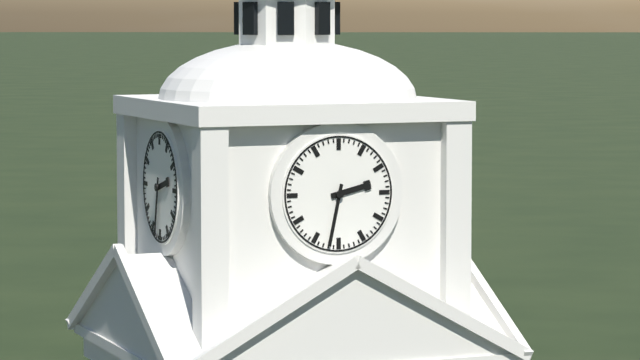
2:32
